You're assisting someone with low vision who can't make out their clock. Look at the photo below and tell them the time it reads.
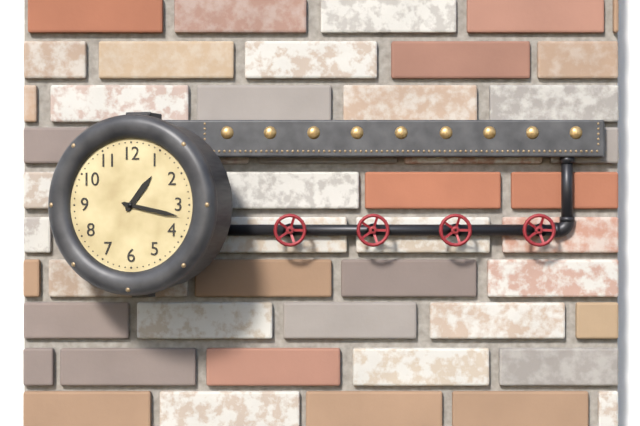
1:17
